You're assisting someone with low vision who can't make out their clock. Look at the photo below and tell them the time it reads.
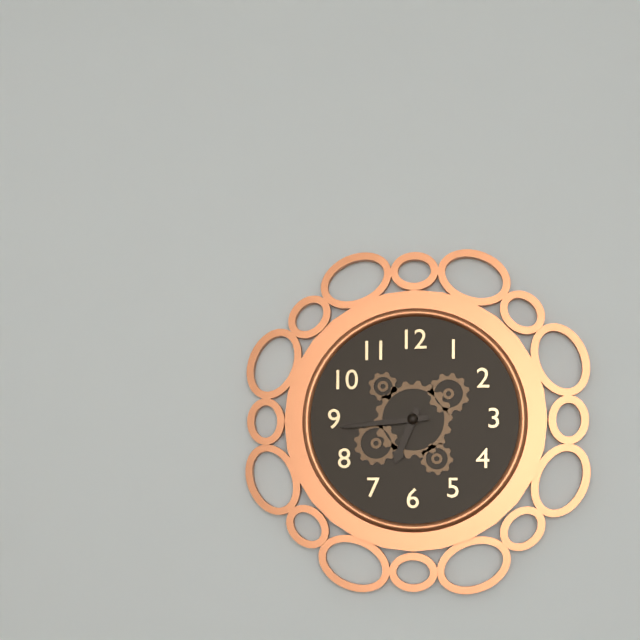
6:44
